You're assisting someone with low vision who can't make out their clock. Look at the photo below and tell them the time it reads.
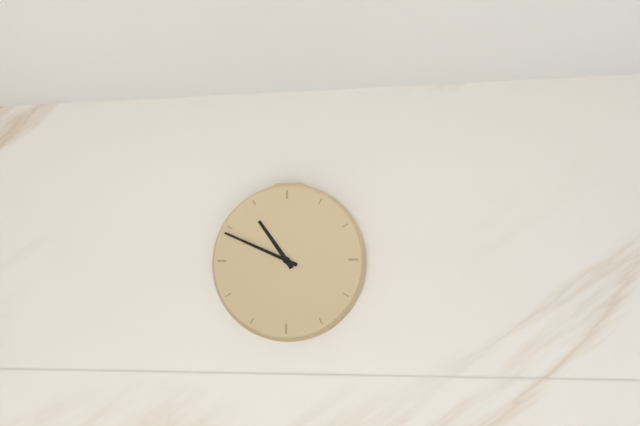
10:49
